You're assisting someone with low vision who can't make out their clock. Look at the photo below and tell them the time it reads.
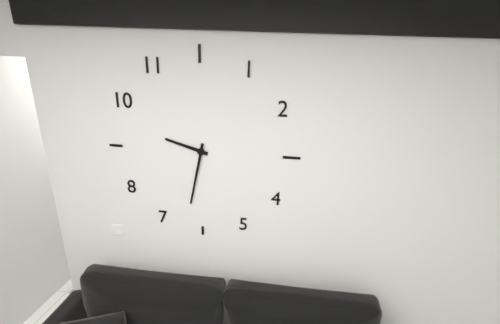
9:32
